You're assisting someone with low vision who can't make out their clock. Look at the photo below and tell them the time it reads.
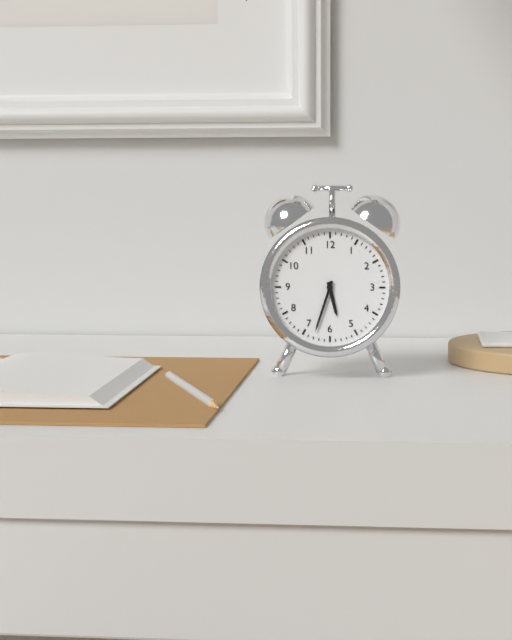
5:33
